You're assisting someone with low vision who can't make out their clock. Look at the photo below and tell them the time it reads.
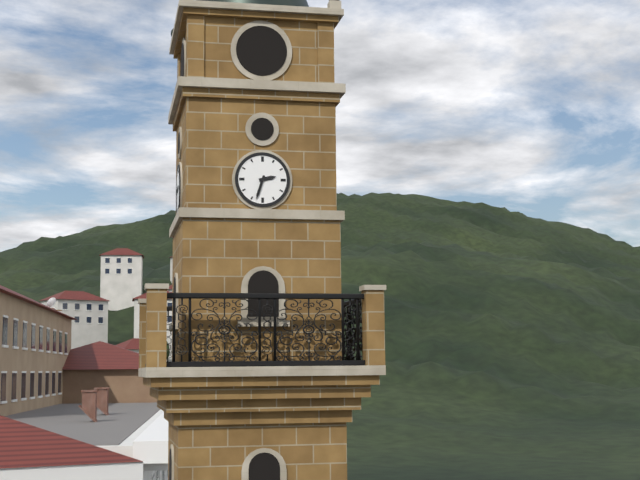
2:33
